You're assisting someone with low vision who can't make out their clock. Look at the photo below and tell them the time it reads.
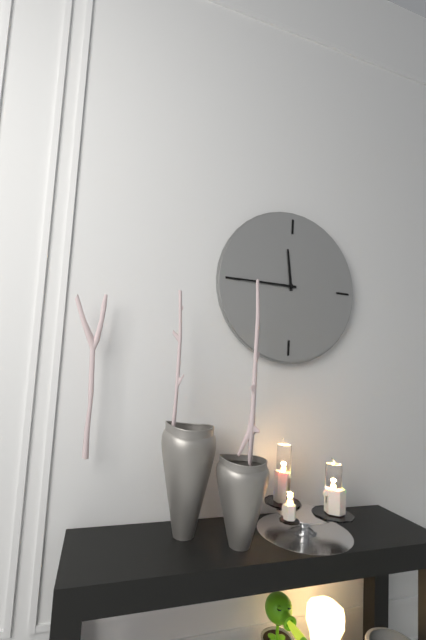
11:45
